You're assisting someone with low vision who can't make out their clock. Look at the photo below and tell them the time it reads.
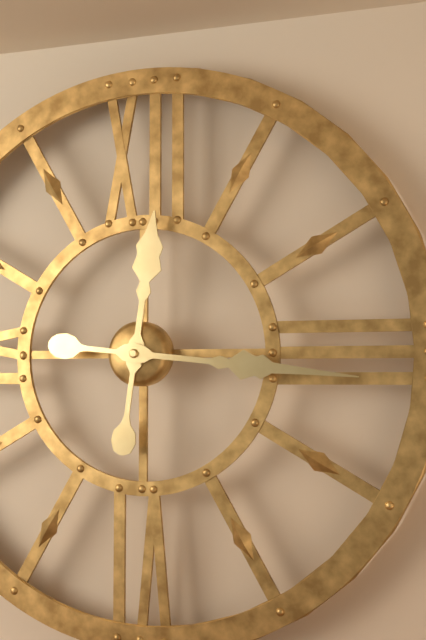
12:16
